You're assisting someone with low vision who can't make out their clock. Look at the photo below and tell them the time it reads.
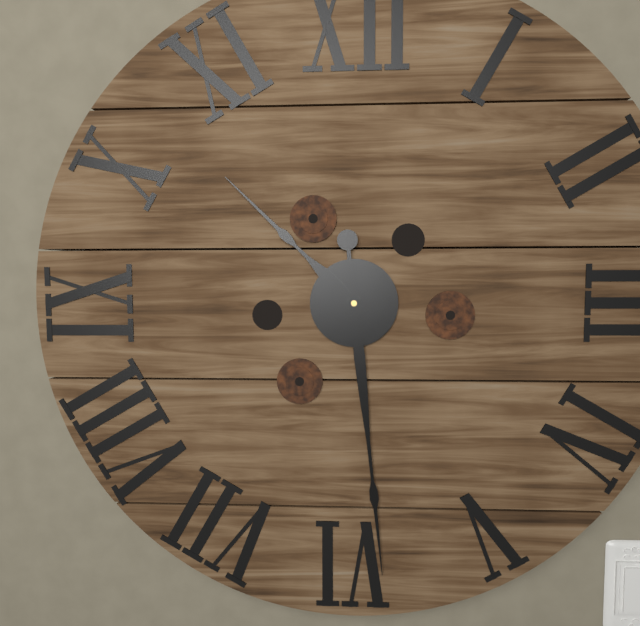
10:29
